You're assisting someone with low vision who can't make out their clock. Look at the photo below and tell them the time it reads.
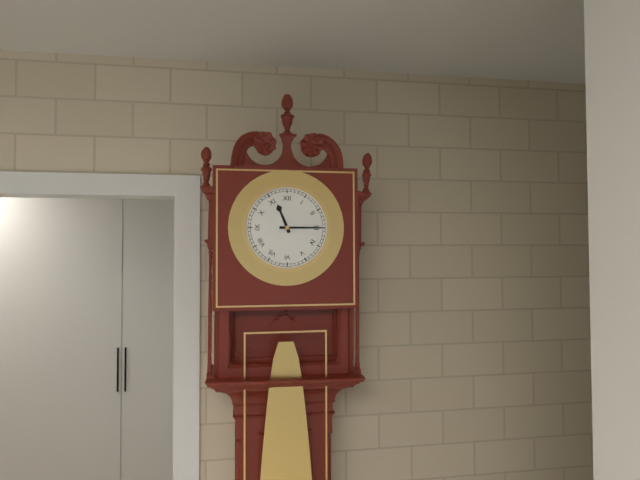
11:15
